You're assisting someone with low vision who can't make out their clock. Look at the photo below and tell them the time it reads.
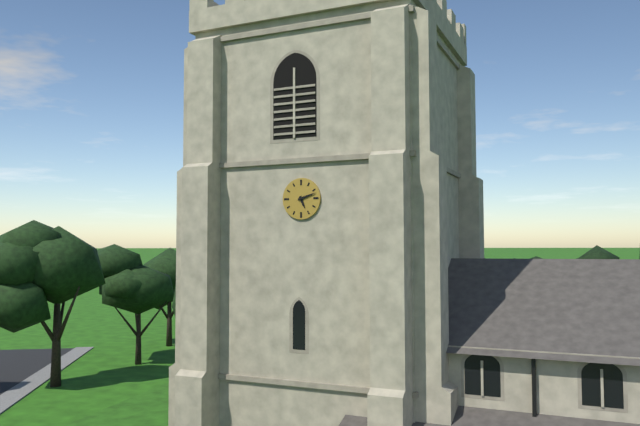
5:12
